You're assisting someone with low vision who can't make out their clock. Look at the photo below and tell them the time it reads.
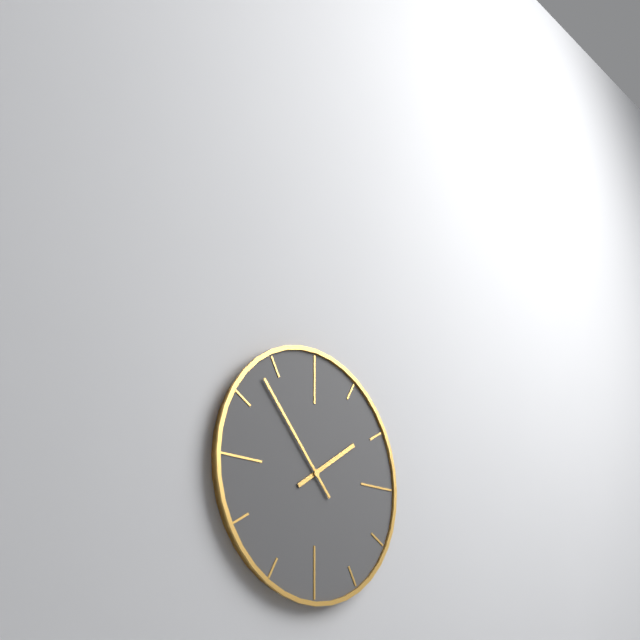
1:53
